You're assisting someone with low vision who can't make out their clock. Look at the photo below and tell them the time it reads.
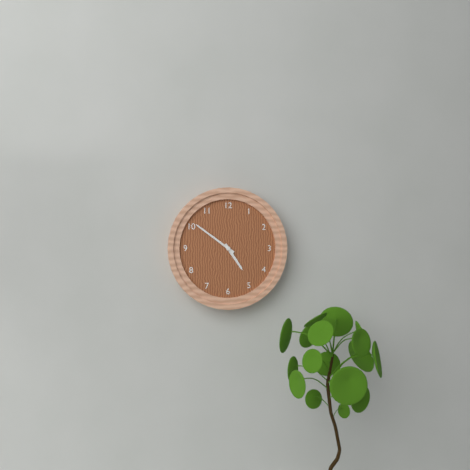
4:51
